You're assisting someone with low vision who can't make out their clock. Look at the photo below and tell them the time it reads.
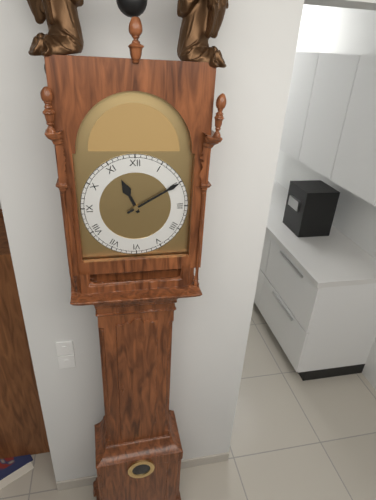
11:10
